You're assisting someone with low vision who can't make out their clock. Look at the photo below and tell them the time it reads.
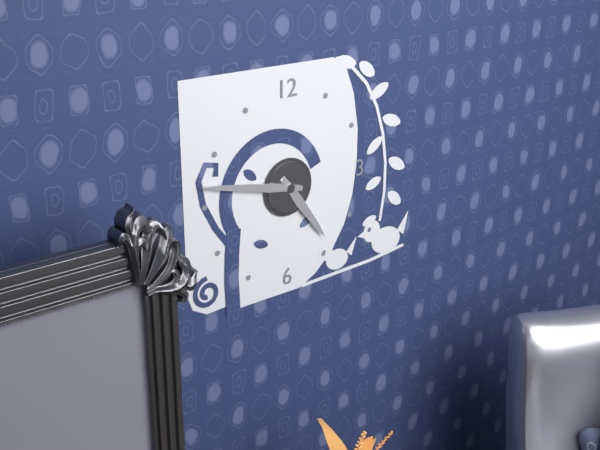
4:47
